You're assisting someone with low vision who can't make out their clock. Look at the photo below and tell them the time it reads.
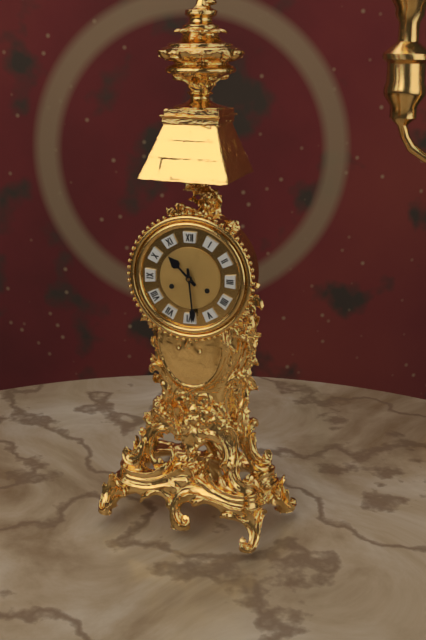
10:29
